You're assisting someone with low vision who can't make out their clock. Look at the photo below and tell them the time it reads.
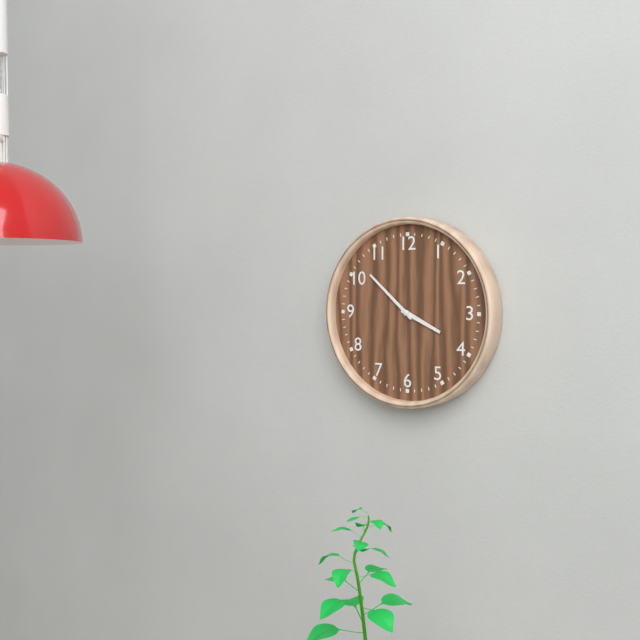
3:52
